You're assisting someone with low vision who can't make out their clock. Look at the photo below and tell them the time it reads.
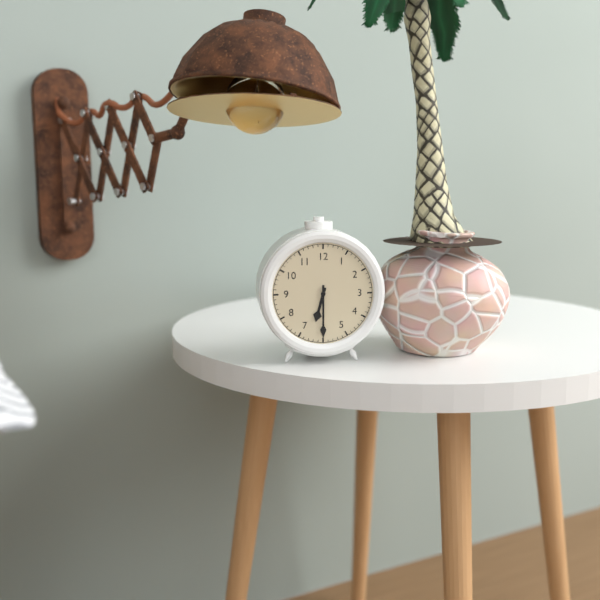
6:30
